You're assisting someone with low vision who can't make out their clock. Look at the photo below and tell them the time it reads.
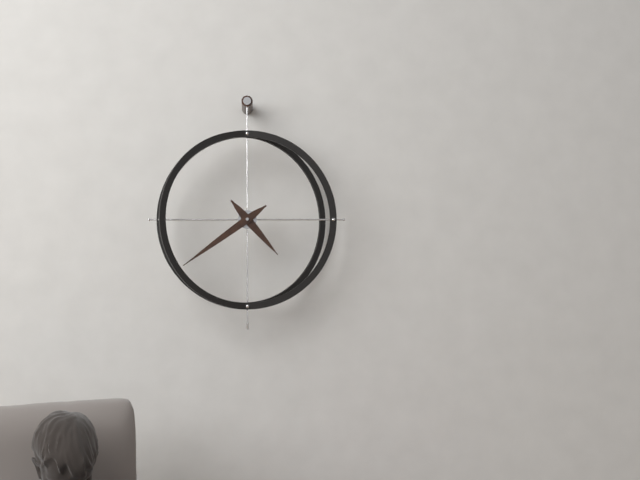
4:39
